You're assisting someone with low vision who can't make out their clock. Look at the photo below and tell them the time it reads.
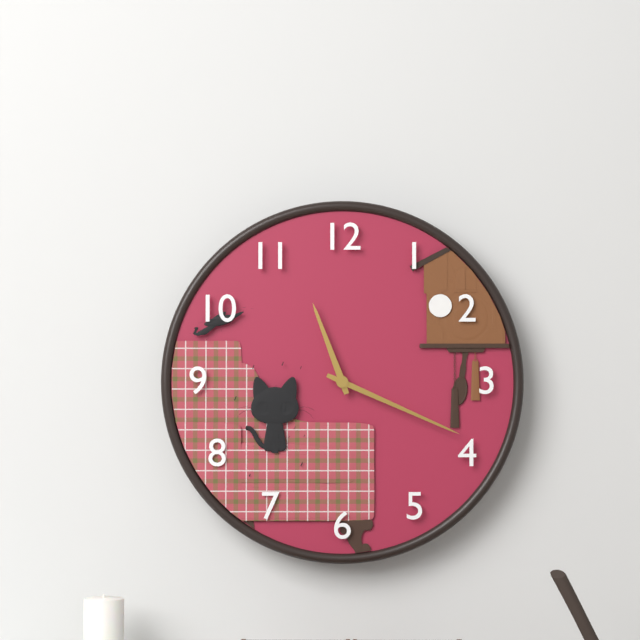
11:19
